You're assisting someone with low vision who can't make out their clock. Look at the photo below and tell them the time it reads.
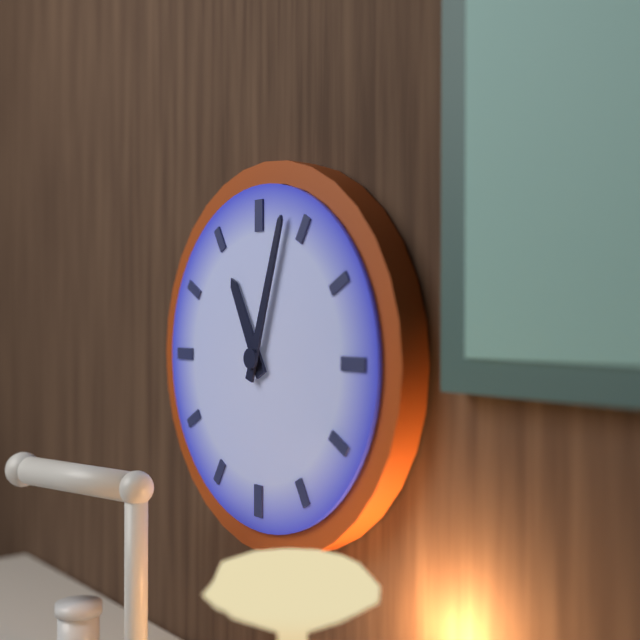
11:03
